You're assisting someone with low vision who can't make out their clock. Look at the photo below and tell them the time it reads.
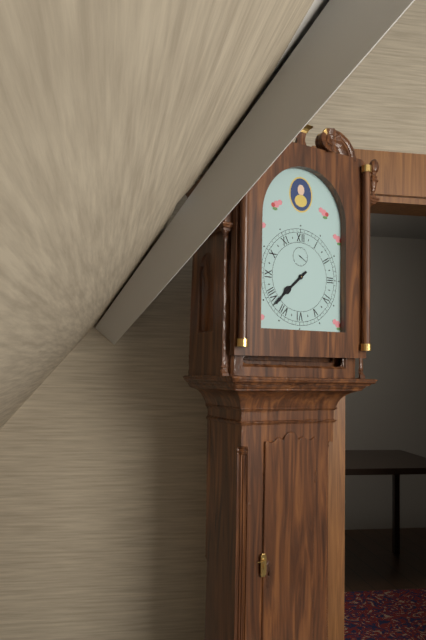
7:38
